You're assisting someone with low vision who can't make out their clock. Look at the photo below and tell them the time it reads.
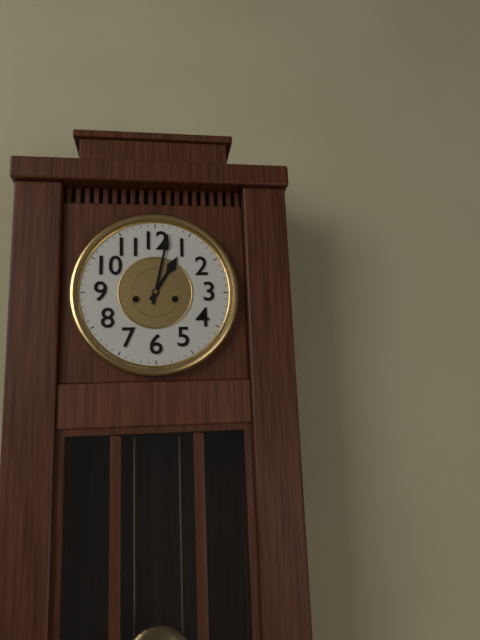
1:02
